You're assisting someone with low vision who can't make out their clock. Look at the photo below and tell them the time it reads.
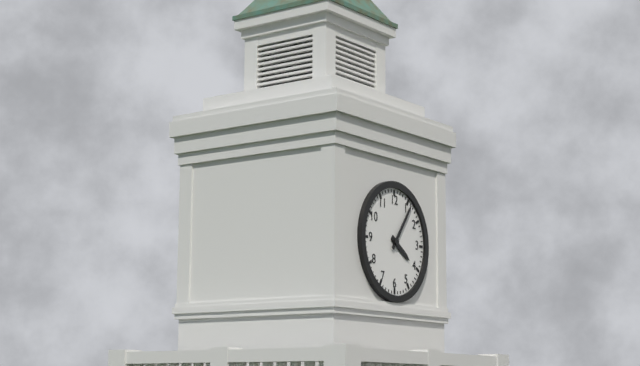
4:06
